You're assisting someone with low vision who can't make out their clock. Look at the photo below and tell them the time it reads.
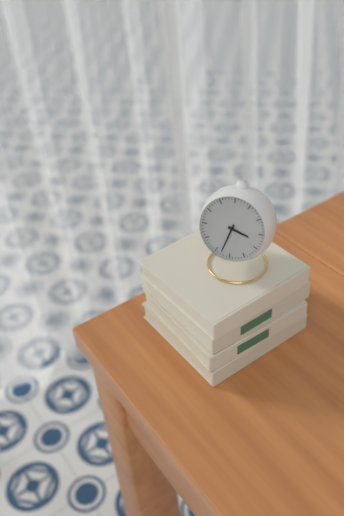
3:33
